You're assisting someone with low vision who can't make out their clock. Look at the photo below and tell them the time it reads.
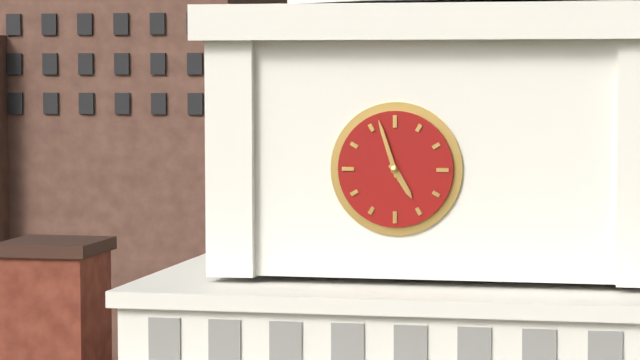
4:57
